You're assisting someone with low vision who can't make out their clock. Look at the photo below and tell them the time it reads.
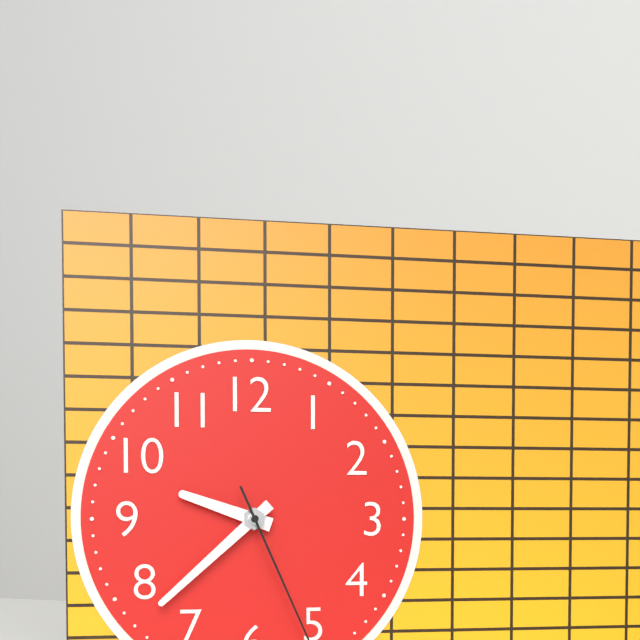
9:38
